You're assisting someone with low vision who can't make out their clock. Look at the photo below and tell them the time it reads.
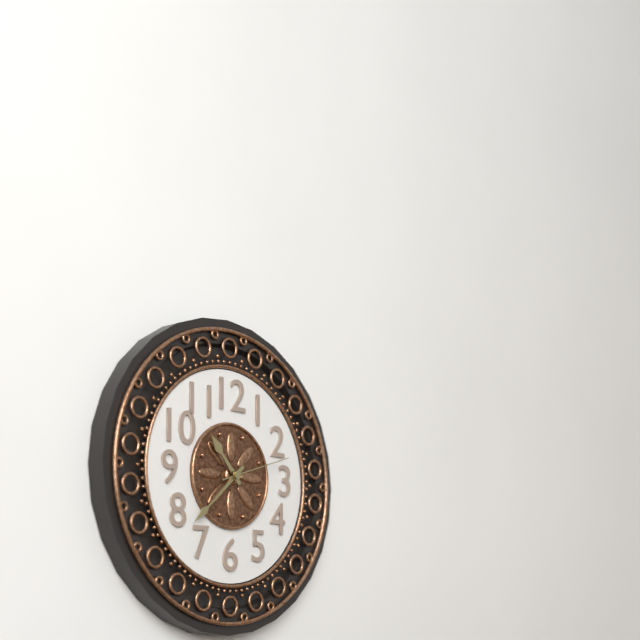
10:38:12
